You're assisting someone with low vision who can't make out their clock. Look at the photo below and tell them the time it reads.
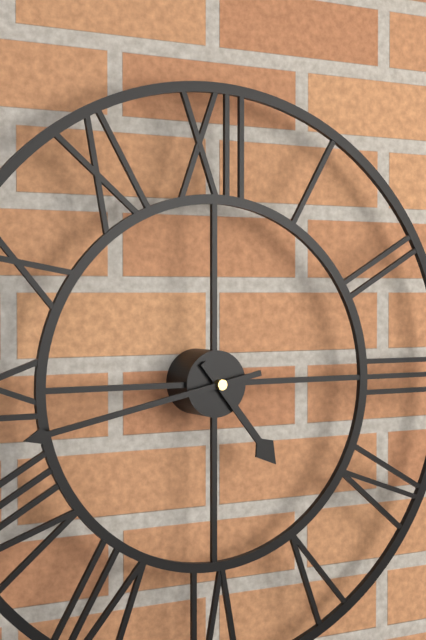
4:43
